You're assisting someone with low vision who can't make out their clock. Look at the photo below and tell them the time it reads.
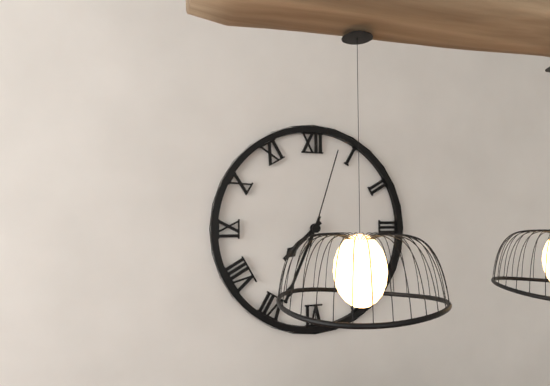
7:34:03
